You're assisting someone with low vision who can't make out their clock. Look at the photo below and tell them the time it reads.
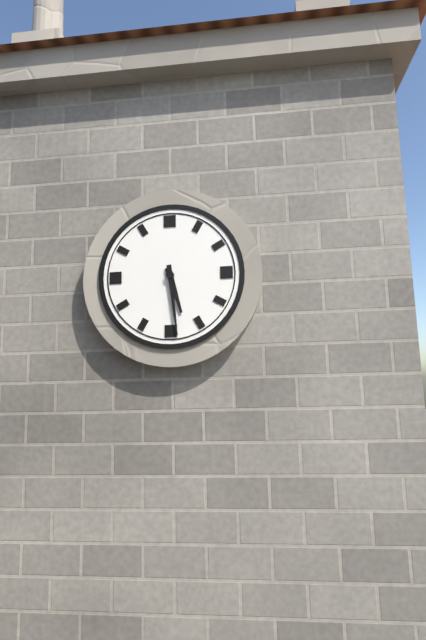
5:29
